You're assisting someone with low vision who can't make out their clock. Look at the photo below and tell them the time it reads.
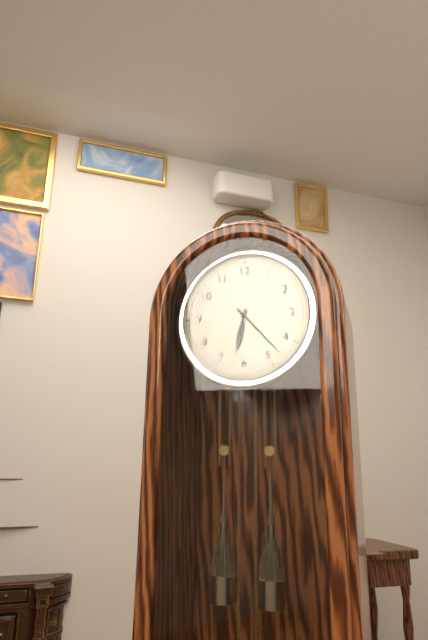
6:23
